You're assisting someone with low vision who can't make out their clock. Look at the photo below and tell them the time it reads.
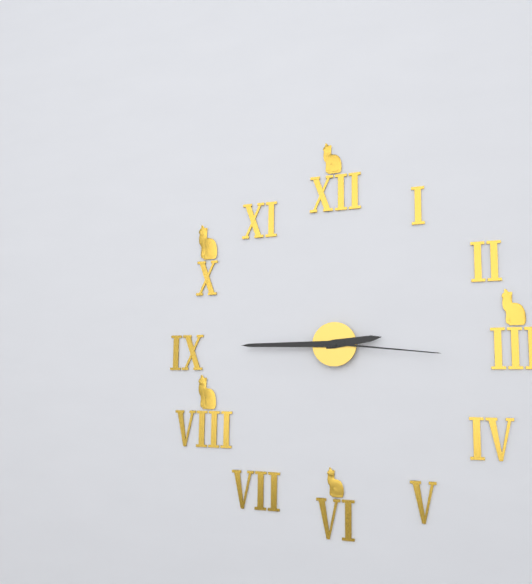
2:45:16
